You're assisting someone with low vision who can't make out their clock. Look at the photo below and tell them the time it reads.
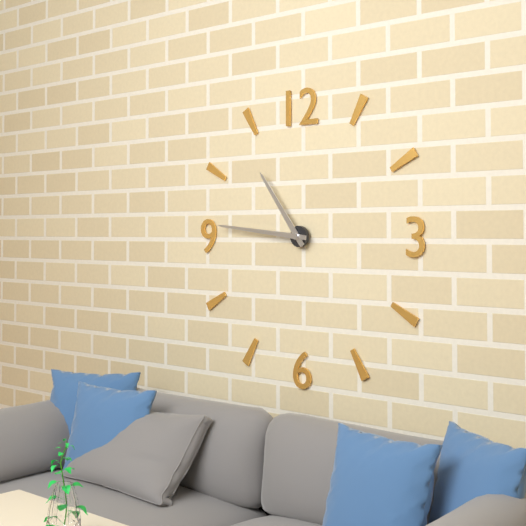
10:46
